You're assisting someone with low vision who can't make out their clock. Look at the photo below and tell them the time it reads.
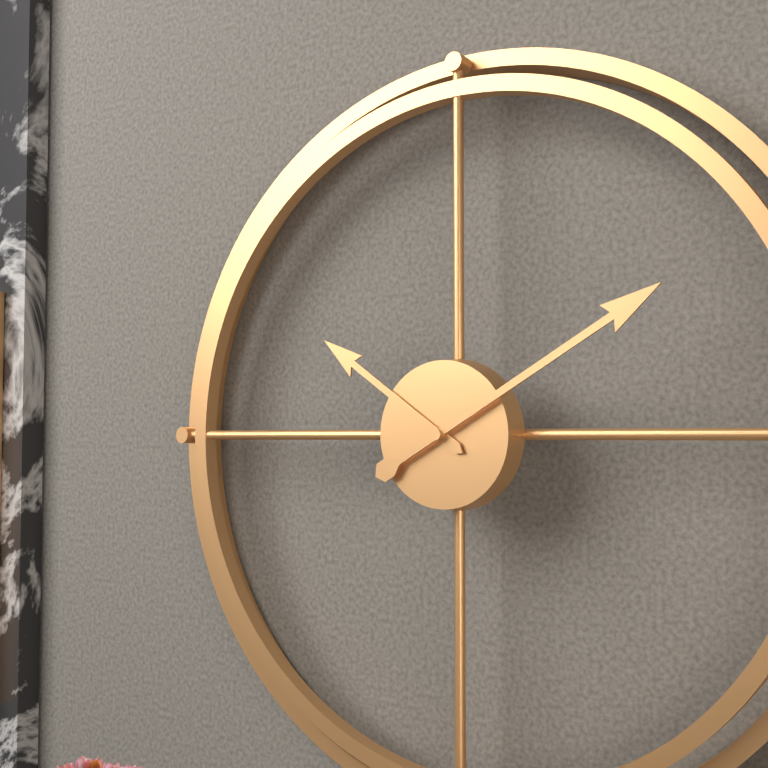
10:10
